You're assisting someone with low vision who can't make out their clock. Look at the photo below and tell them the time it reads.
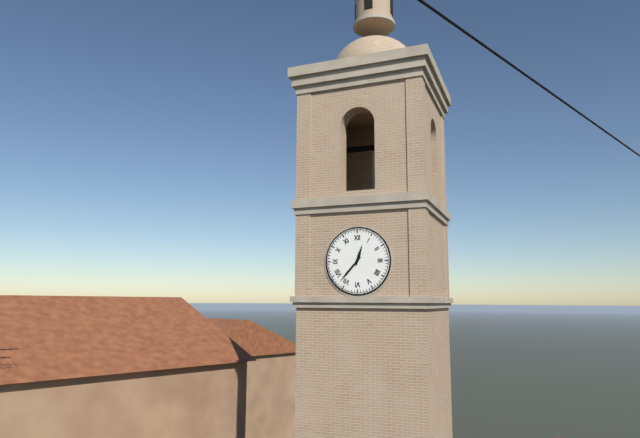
12:37
